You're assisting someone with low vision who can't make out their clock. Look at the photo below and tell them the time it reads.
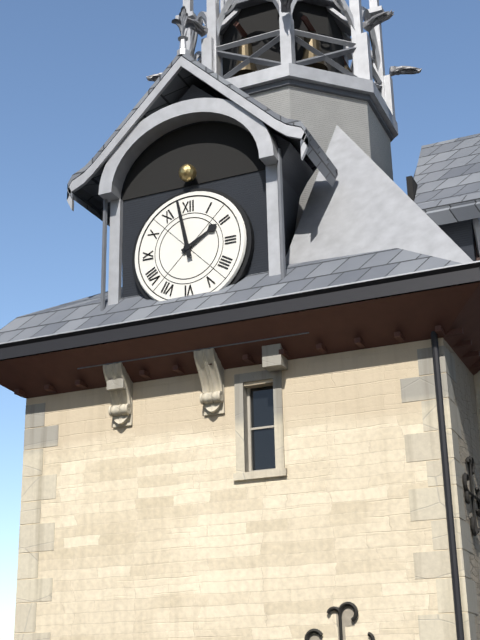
1:58
